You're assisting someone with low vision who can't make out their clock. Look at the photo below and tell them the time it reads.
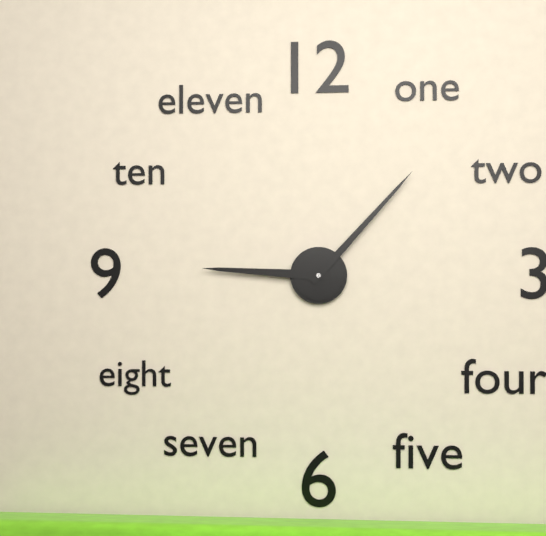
9:07
